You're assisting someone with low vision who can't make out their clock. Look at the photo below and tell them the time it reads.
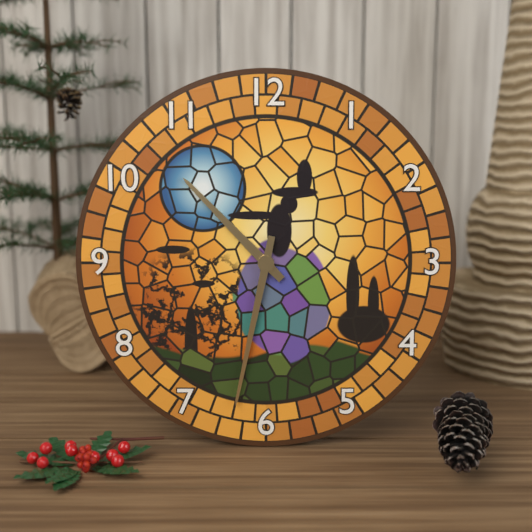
10:32
